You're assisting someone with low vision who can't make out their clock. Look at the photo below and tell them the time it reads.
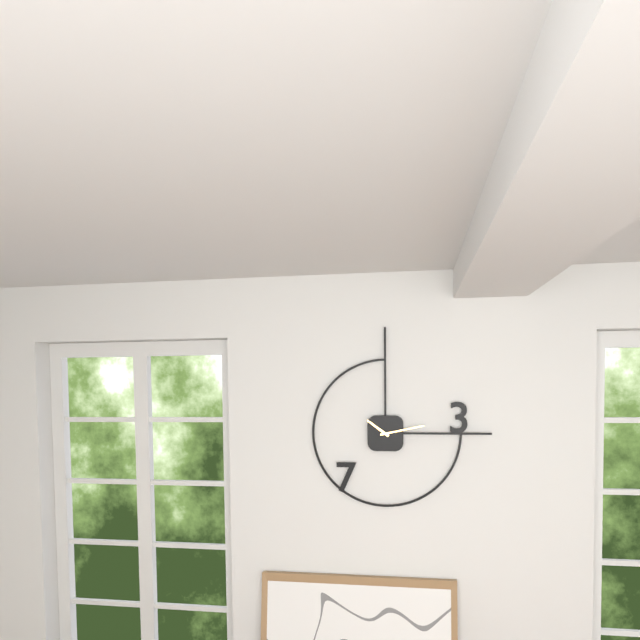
10:13
